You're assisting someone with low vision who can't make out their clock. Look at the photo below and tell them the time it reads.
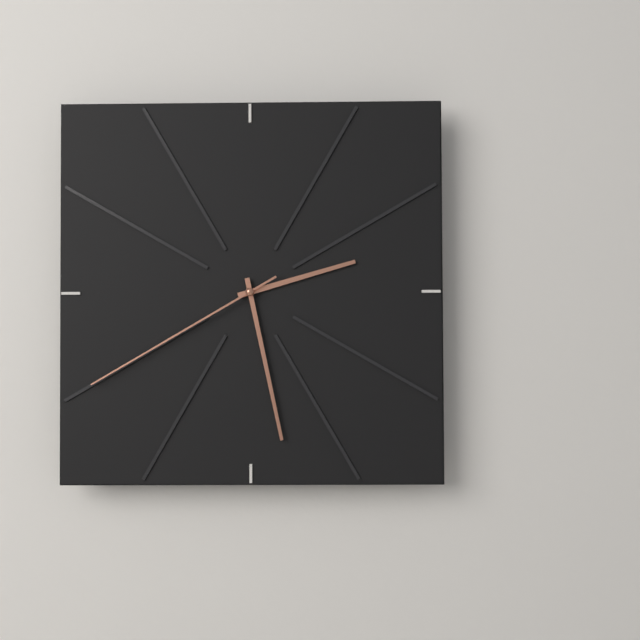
2:28:40
